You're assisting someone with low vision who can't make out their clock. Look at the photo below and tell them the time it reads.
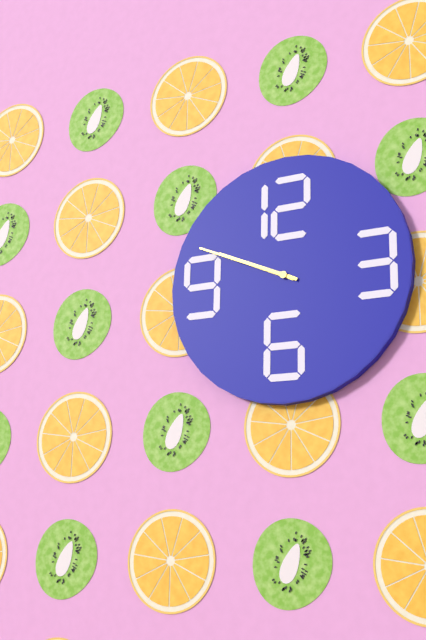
9:49
